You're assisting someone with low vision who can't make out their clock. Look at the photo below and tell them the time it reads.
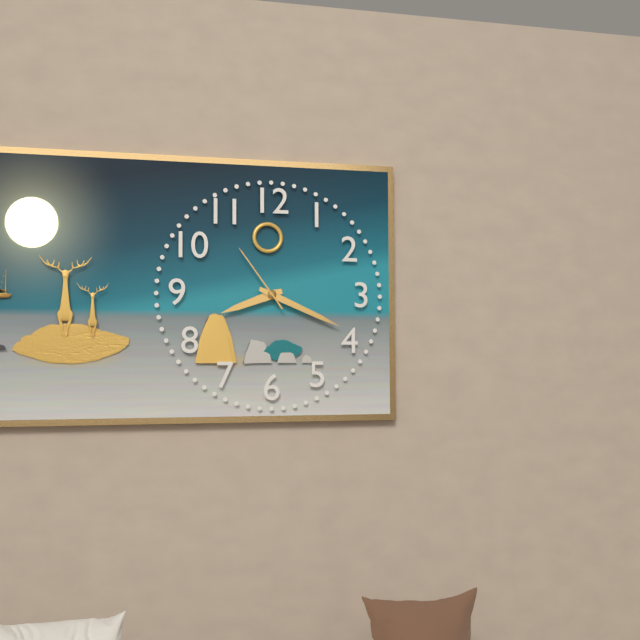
8:19:54
